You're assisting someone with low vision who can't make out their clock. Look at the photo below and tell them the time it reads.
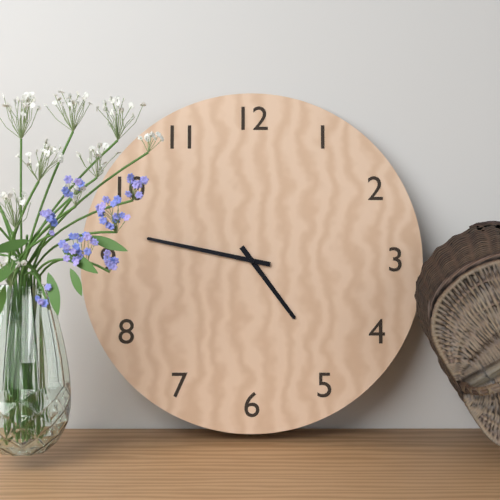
4:47
